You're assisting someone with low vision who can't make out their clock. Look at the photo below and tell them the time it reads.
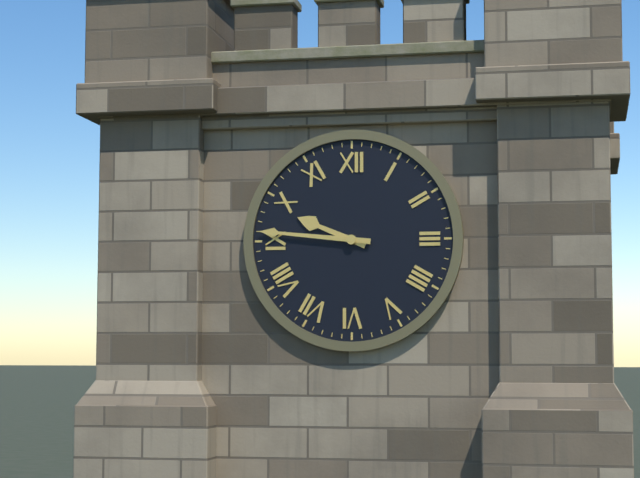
9:46
